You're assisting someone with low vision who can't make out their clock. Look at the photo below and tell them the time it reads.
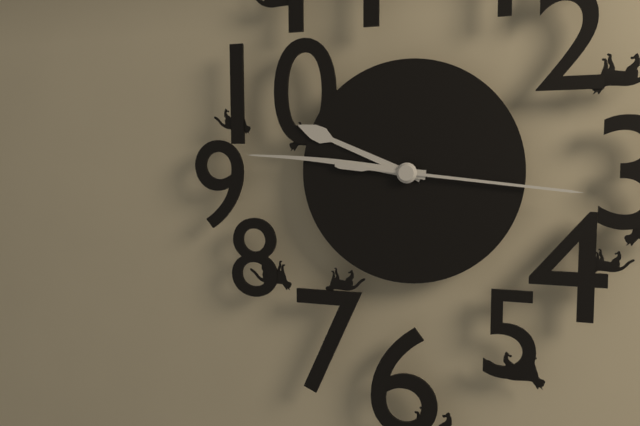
9:46:16
